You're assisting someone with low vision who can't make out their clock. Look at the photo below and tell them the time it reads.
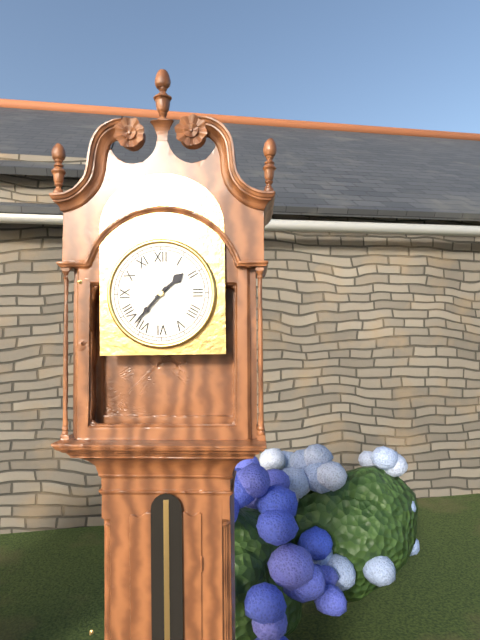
1:37
